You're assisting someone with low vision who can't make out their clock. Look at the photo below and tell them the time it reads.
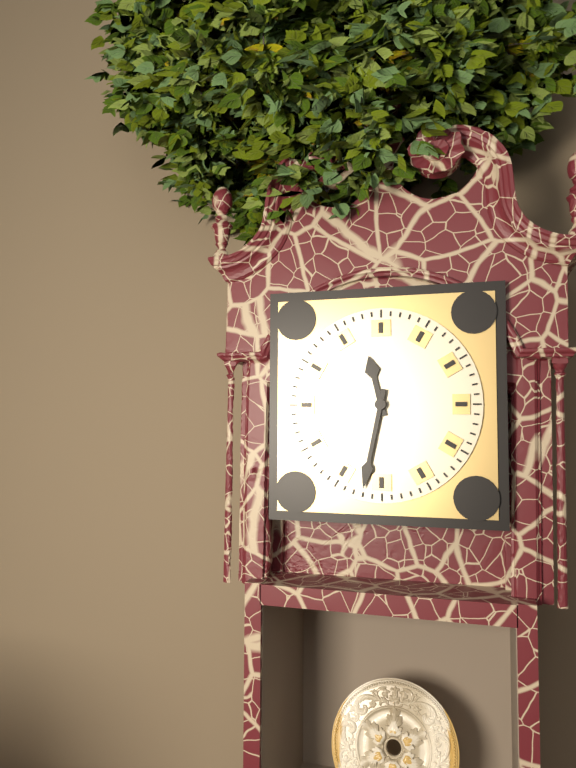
11:32
